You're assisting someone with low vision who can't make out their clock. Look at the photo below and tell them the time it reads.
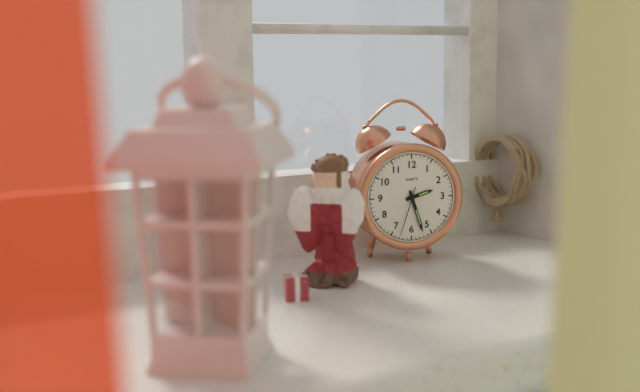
2:27:33
